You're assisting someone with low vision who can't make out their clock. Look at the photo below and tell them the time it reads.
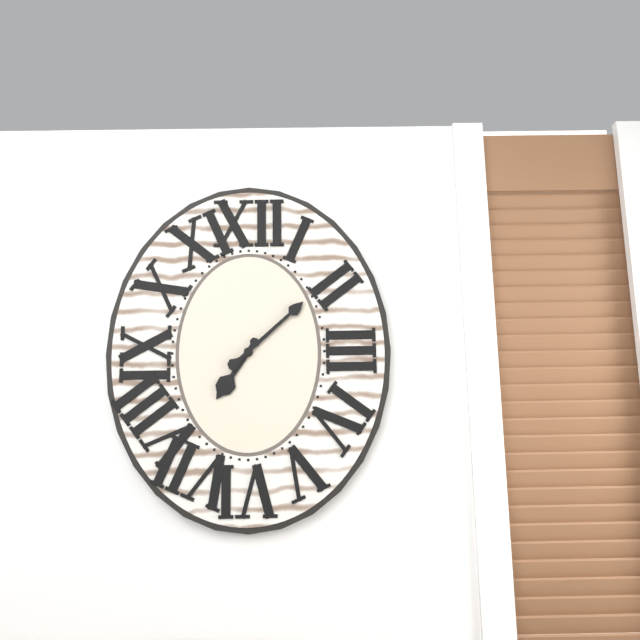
7:08
